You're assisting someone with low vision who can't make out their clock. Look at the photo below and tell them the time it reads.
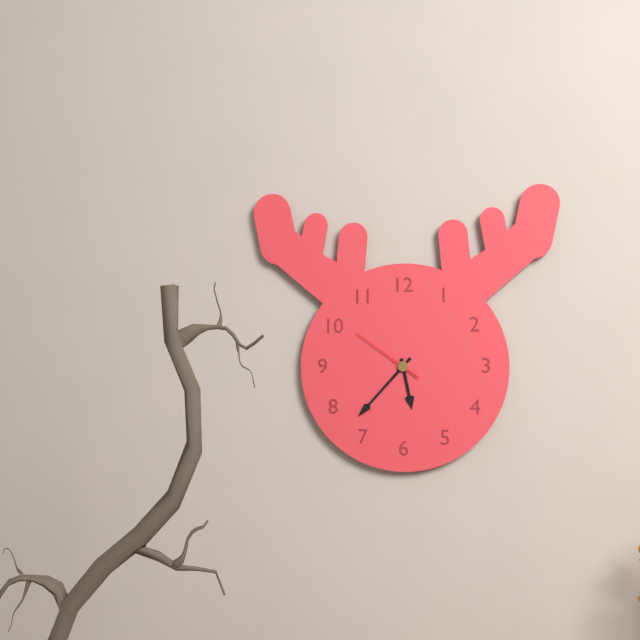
5:37:51
